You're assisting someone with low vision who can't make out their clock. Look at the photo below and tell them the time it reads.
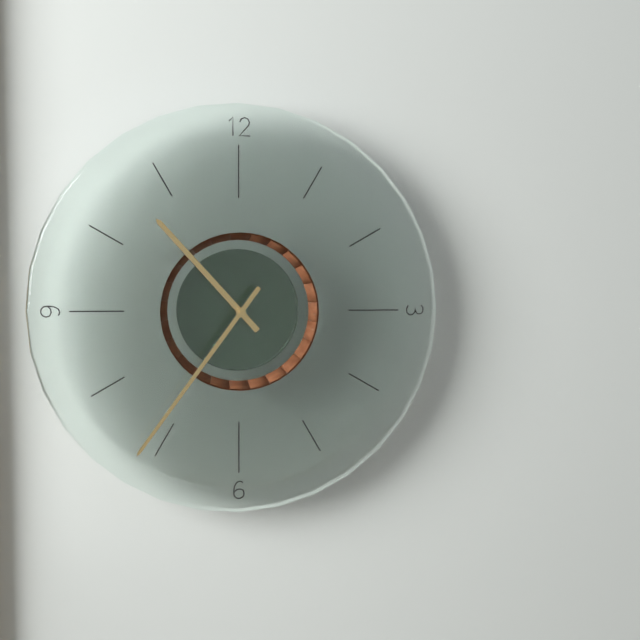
10:36
